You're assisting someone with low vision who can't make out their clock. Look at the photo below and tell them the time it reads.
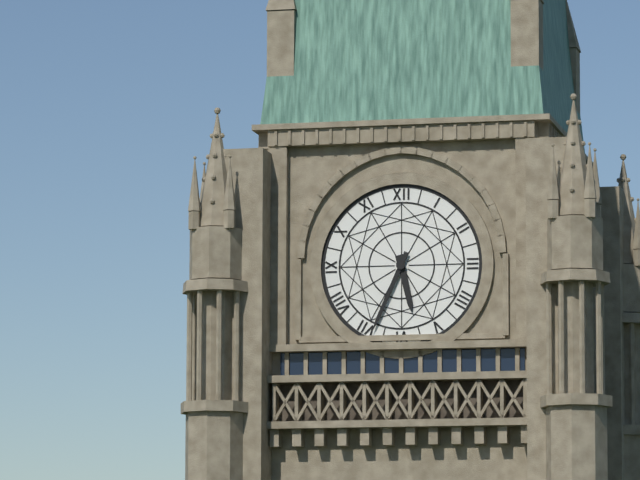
5:34
